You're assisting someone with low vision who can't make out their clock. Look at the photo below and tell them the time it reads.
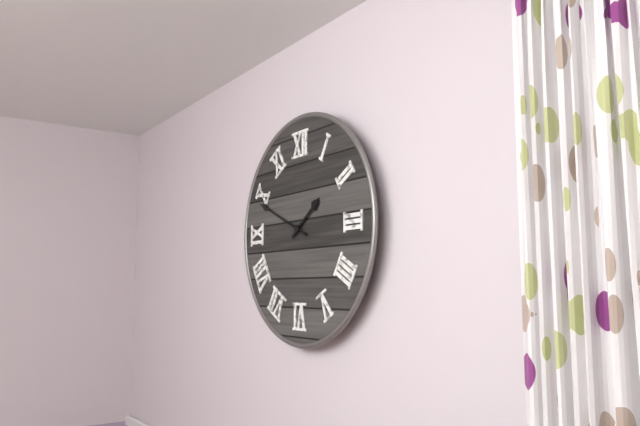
1:49
